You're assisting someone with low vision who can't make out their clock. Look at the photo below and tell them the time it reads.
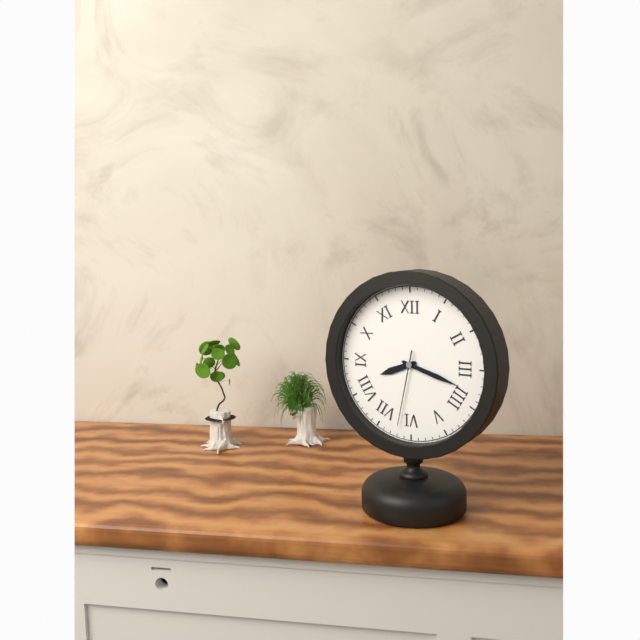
8:18:32
